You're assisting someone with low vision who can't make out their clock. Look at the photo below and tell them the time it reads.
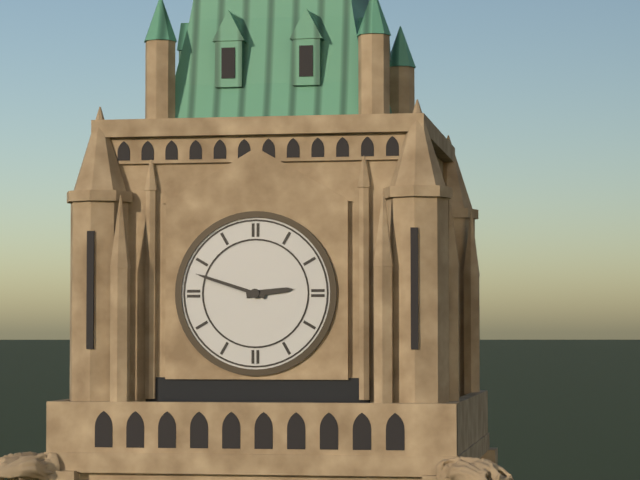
2:48
